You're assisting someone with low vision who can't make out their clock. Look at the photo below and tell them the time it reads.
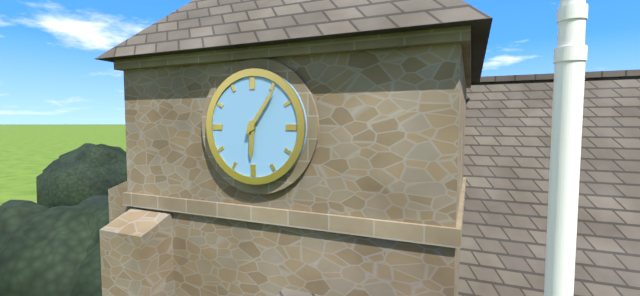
6:06
